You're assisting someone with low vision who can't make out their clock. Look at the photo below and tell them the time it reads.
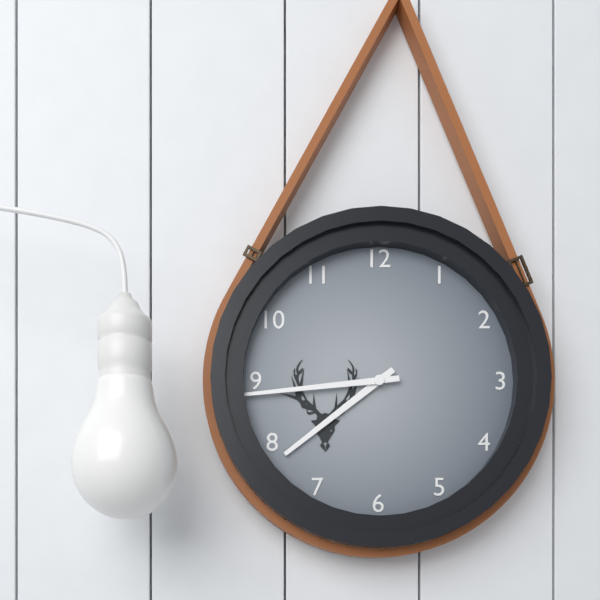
7:44
